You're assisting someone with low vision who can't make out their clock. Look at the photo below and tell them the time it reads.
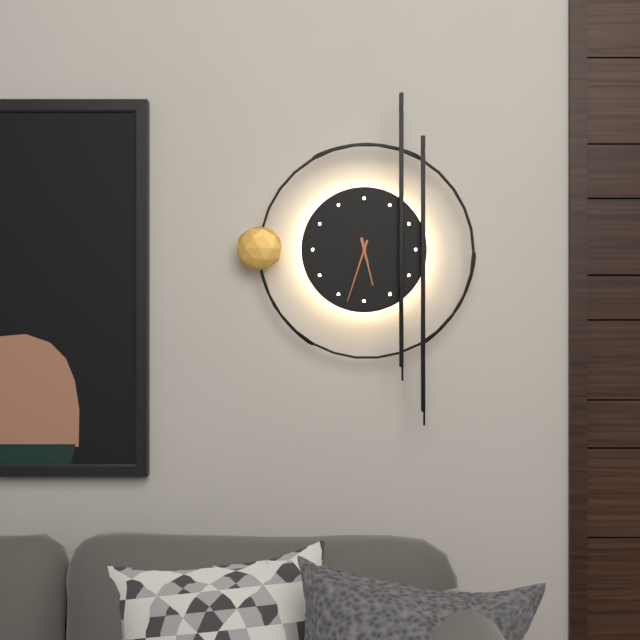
5:33
